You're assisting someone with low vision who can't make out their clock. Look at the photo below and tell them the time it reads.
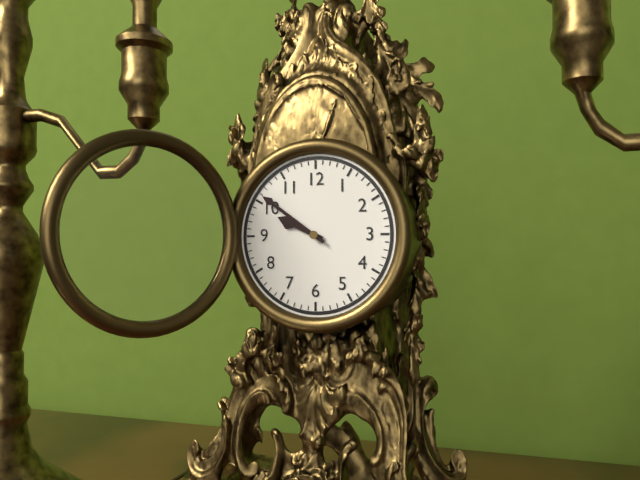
9:51
